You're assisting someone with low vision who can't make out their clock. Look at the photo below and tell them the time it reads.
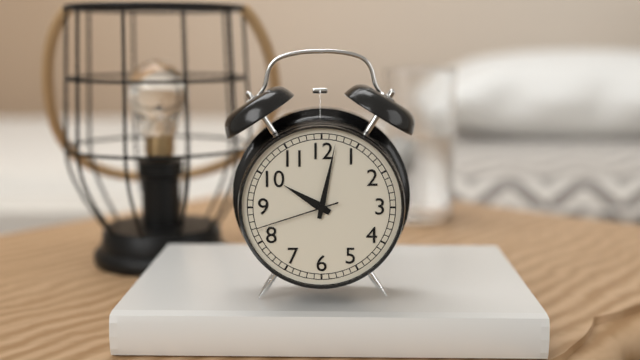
10:02:42
